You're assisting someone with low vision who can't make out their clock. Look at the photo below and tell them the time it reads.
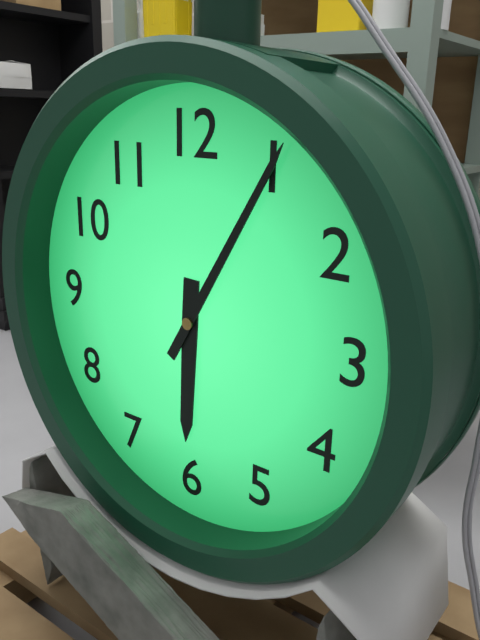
6:05
